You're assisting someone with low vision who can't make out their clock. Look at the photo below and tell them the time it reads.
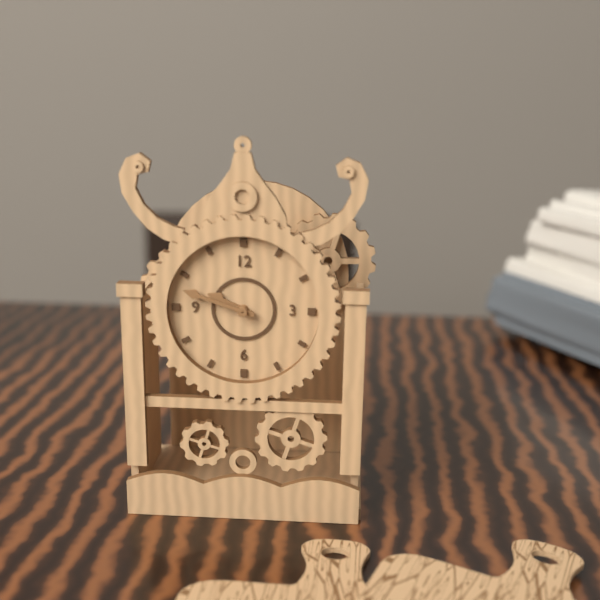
9:48
